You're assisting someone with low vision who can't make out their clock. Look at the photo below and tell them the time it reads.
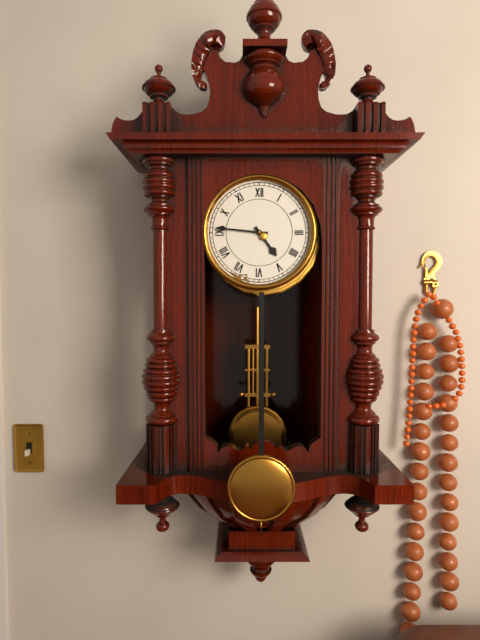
4:46
